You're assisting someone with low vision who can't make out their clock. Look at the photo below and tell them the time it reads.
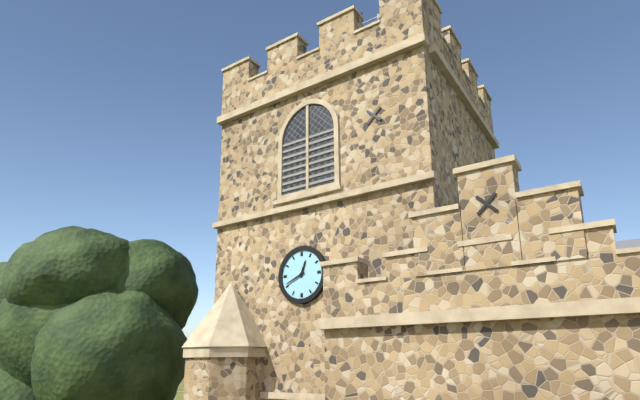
12:41
